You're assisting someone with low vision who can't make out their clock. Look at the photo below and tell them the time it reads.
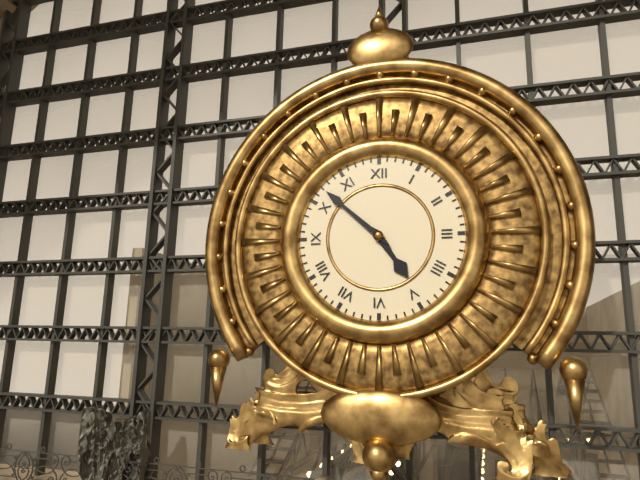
4:52
